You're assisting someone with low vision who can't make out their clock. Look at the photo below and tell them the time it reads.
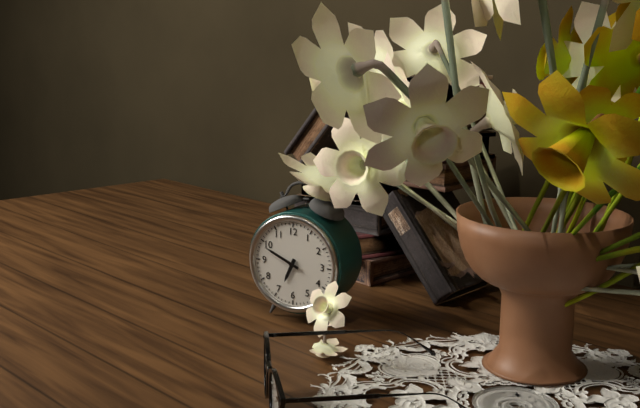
6:49
